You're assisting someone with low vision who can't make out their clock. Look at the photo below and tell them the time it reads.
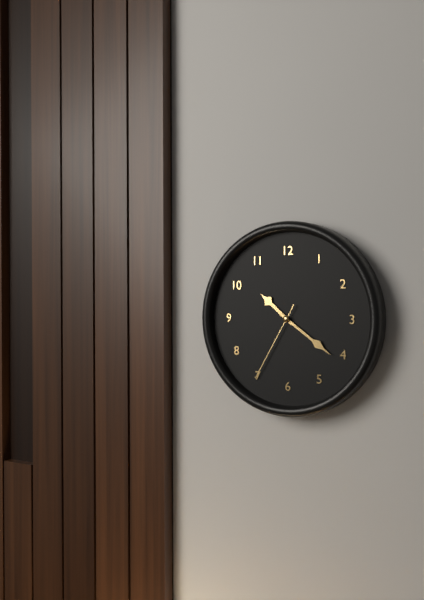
10:21:35
